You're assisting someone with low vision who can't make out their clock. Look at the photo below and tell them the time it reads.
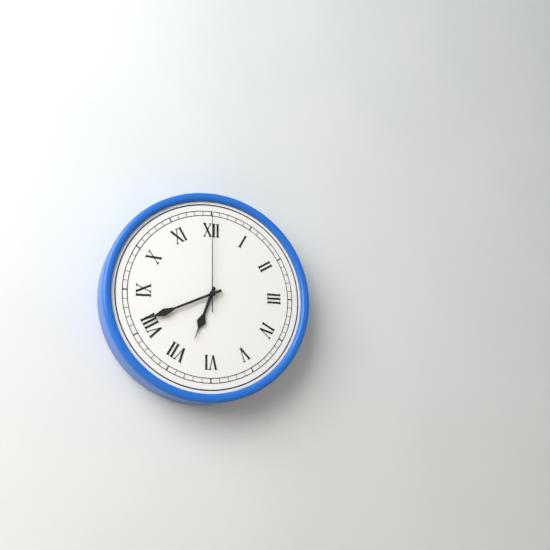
6:41:00
